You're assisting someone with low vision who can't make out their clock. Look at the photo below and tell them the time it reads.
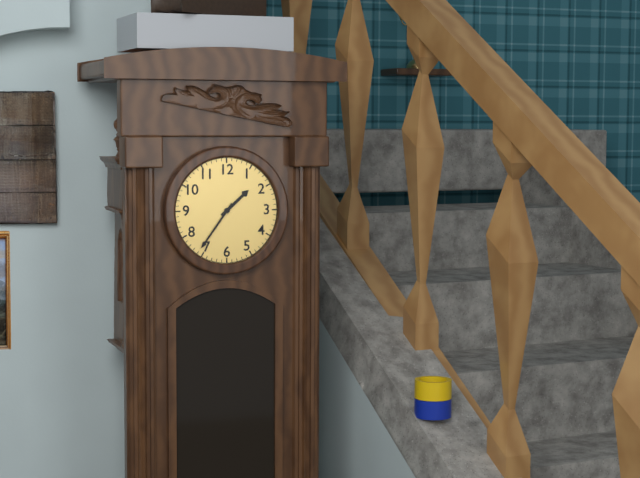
1:36
